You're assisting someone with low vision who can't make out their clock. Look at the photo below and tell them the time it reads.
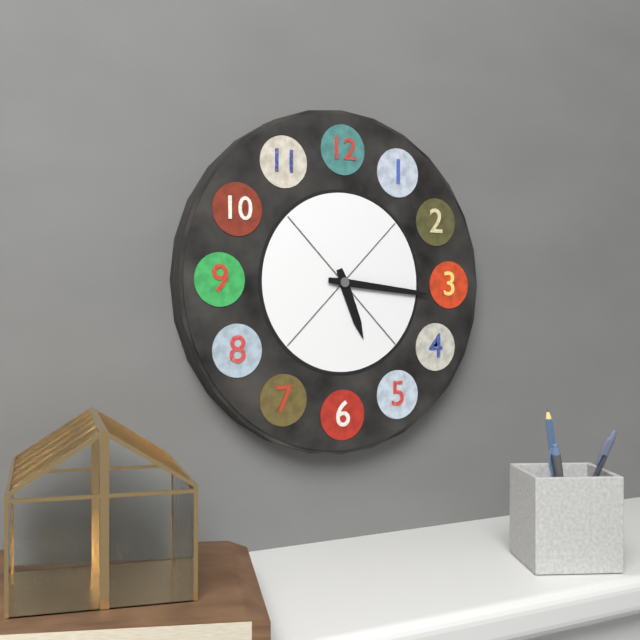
5:16
